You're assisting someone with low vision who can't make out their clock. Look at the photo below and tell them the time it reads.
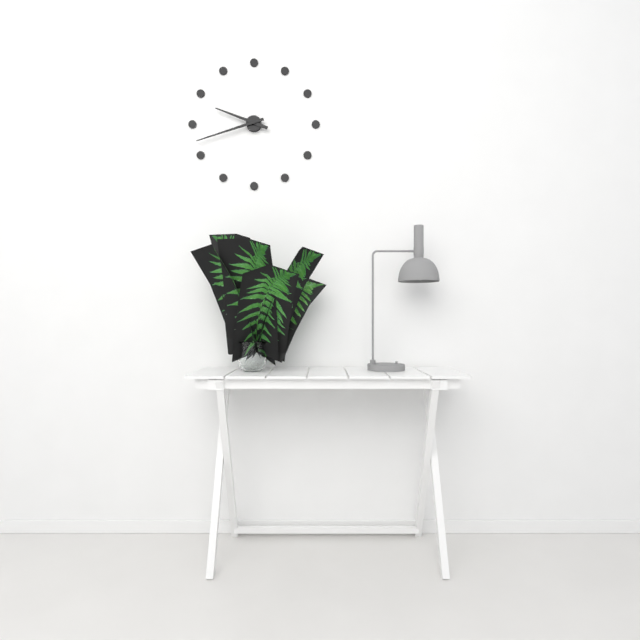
9:42
